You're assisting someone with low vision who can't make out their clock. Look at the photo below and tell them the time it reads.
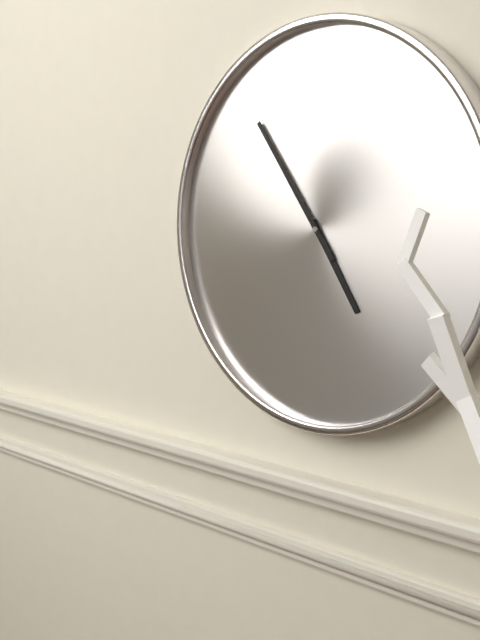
4:54
